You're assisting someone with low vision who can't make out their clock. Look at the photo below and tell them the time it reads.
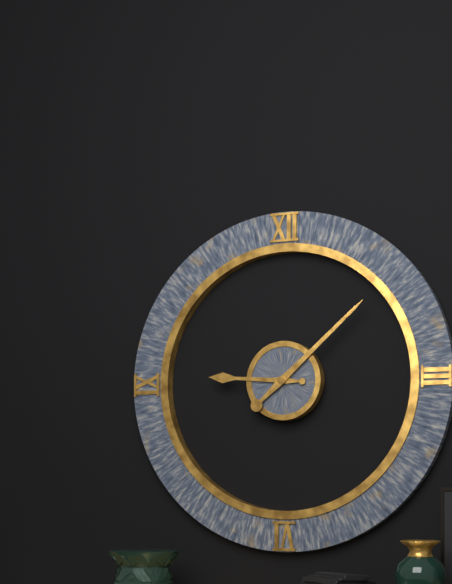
9:08
